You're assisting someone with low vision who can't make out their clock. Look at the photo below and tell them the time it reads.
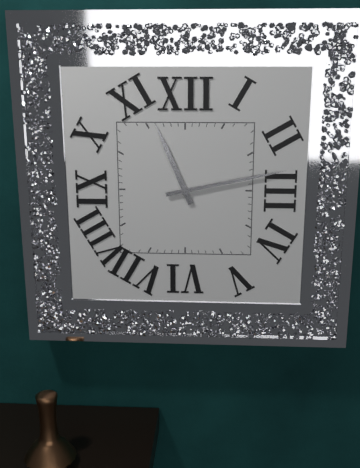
11:13
